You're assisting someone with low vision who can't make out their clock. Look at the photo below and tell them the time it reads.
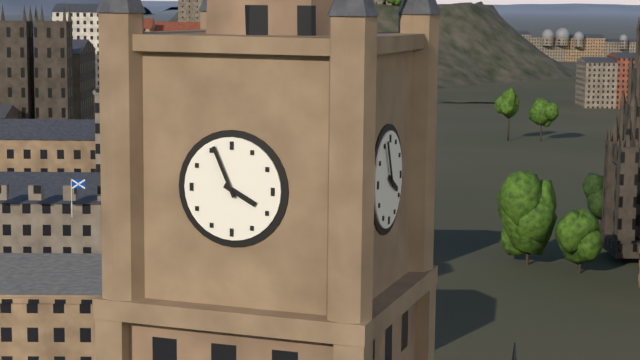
3:56
